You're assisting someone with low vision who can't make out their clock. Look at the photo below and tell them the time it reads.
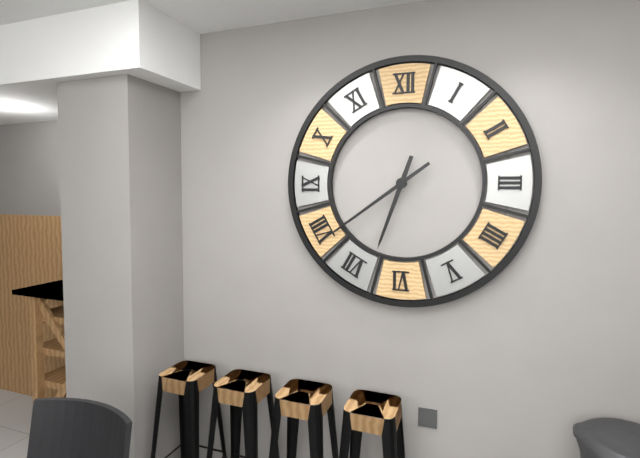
6:39
